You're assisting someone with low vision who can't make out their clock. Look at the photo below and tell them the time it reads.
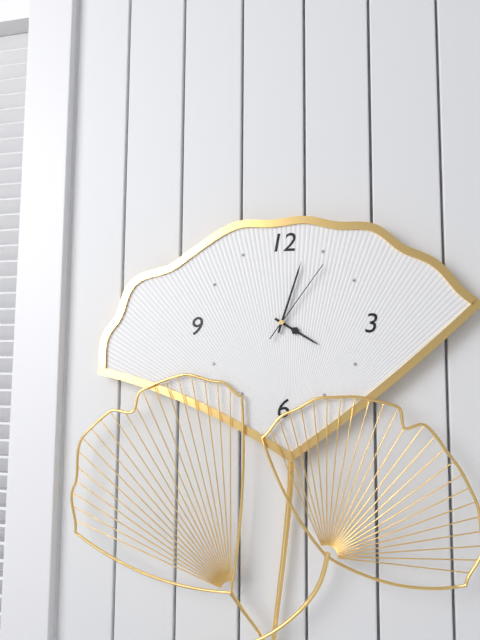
4:03:06
